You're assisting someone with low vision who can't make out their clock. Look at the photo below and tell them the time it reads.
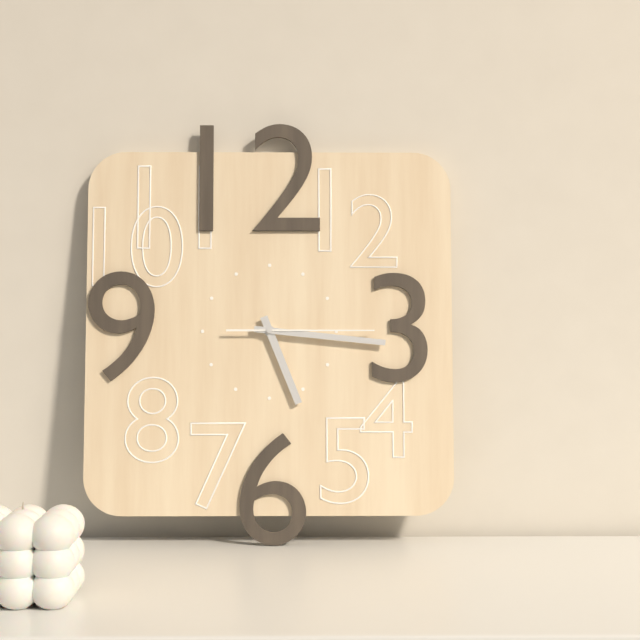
5:16:15
